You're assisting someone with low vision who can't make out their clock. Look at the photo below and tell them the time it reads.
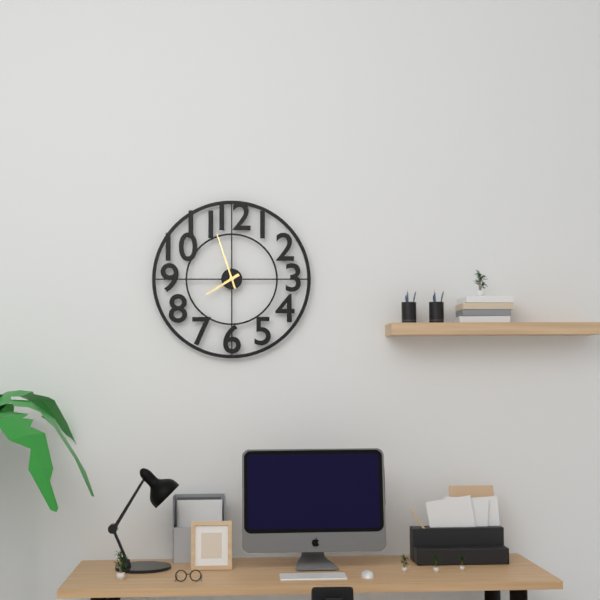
7:57
